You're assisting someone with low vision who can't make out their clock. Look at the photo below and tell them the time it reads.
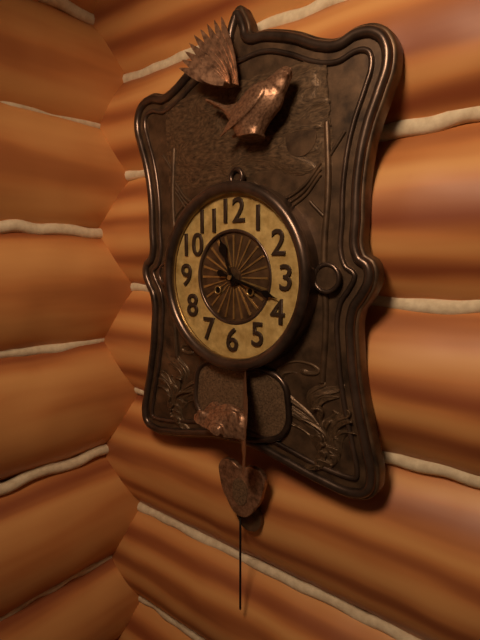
11:18
